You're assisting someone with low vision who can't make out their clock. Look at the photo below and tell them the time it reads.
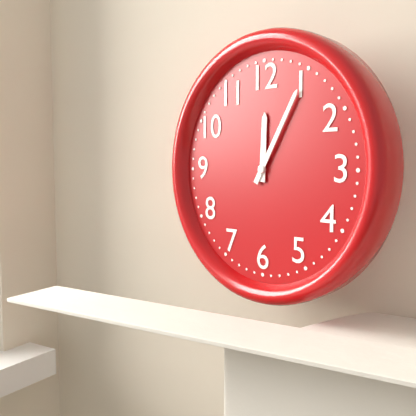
12:05
